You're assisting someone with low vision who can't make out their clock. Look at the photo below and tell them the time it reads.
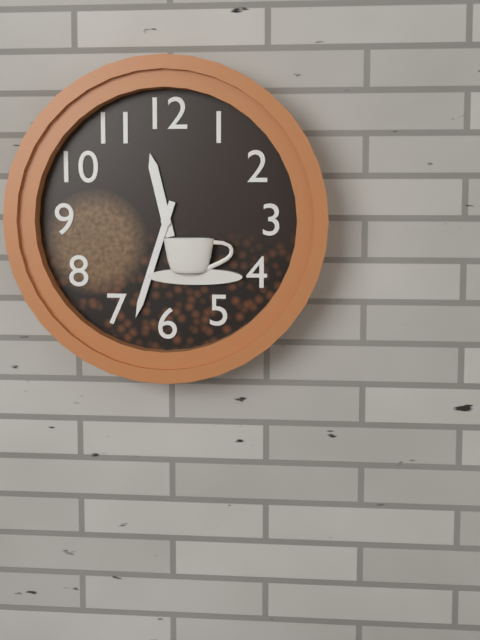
11:33
